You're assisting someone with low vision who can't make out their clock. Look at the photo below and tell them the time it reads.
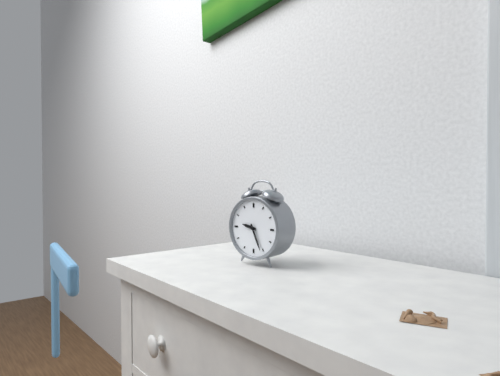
9:26
